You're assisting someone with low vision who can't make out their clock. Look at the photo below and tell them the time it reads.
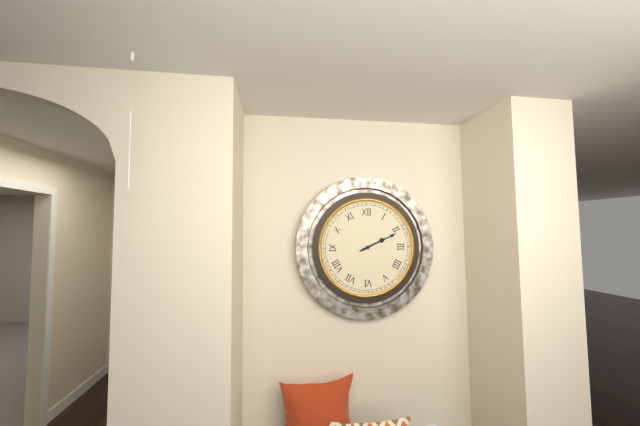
2:11
